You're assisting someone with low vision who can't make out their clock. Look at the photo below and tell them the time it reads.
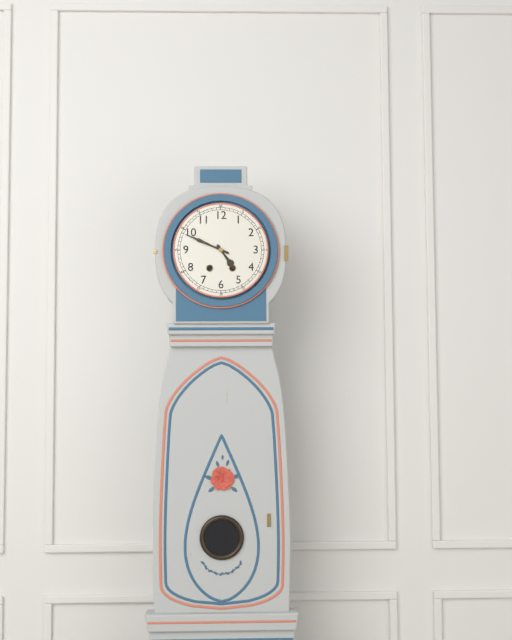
4:49
